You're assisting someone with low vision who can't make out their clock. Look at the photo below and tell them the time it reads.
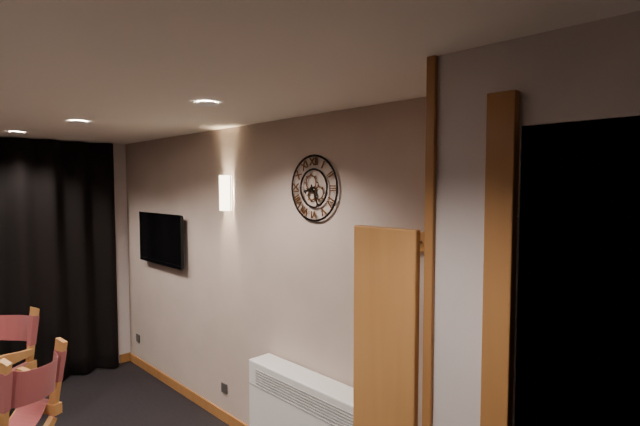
8:26
